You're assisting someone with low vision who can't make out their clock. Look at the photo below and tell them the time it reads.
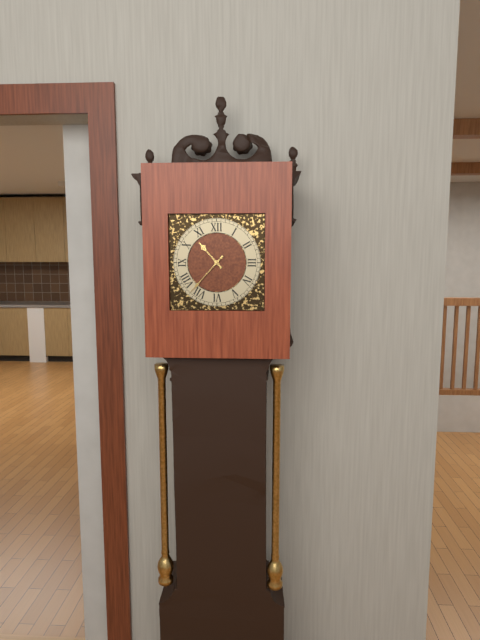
10:37
